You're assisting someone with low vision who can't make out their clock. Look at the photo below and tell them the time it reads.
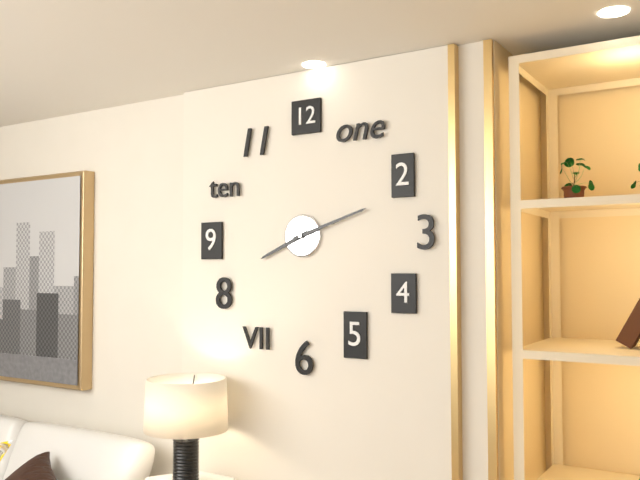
8:12
